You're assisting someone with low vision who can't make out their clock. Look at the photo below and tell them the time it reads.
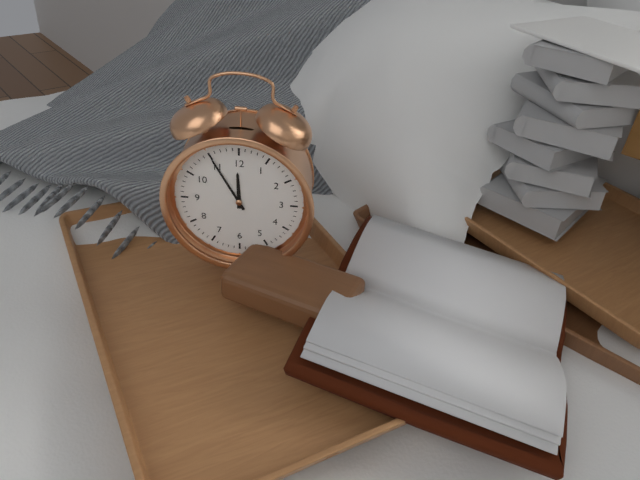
11:55
